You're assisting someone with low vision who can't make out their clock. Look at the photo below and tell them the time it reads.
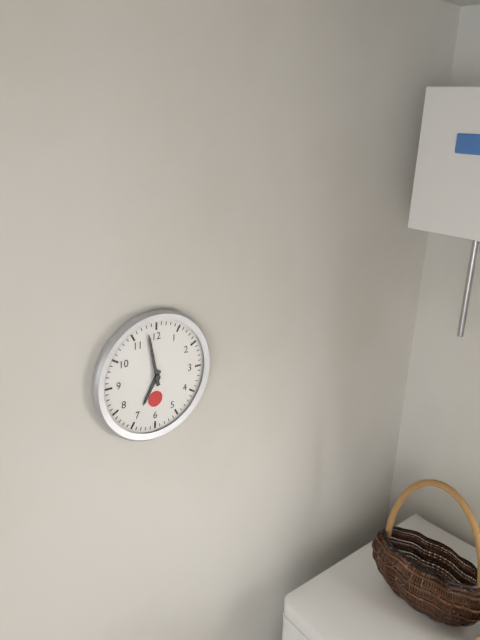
6:58
